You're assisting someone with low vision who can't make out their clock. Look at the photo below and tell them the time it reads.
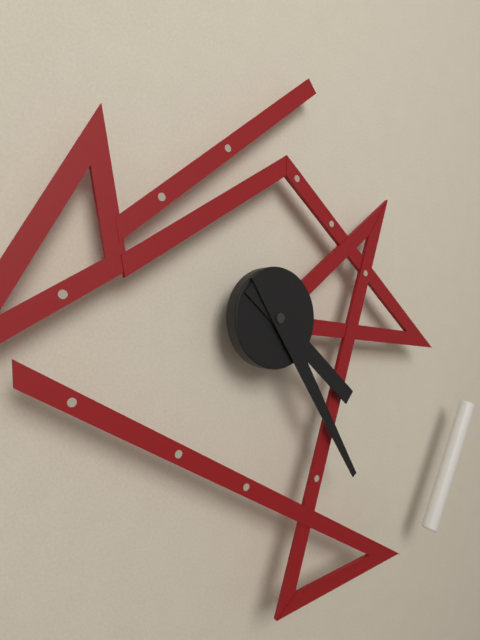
4:25
